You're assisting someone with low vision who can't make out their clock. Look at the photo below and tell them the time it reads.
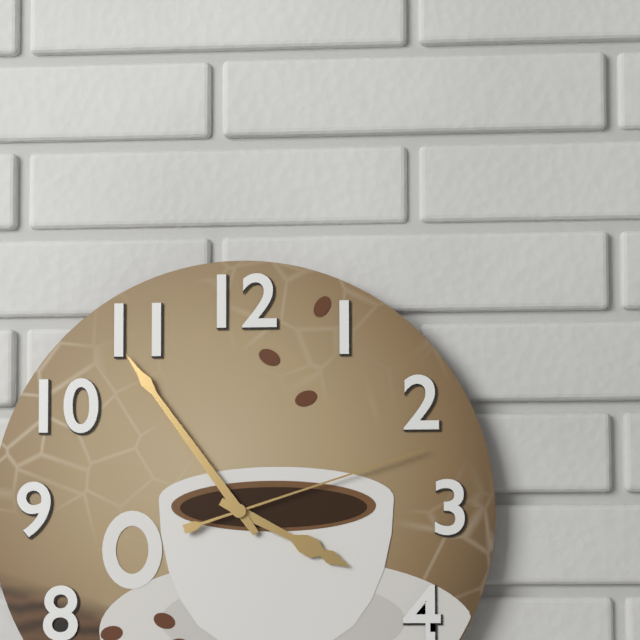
3:54:12
